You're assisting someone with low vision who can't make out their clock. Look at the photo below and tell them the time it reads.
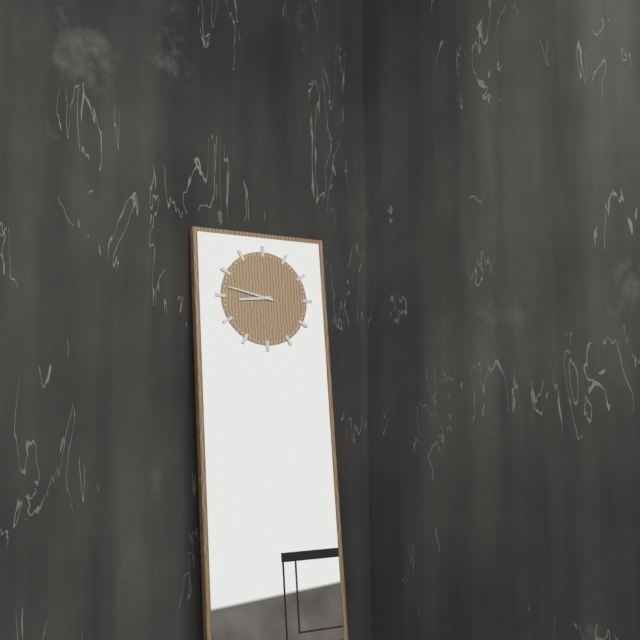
8:47
